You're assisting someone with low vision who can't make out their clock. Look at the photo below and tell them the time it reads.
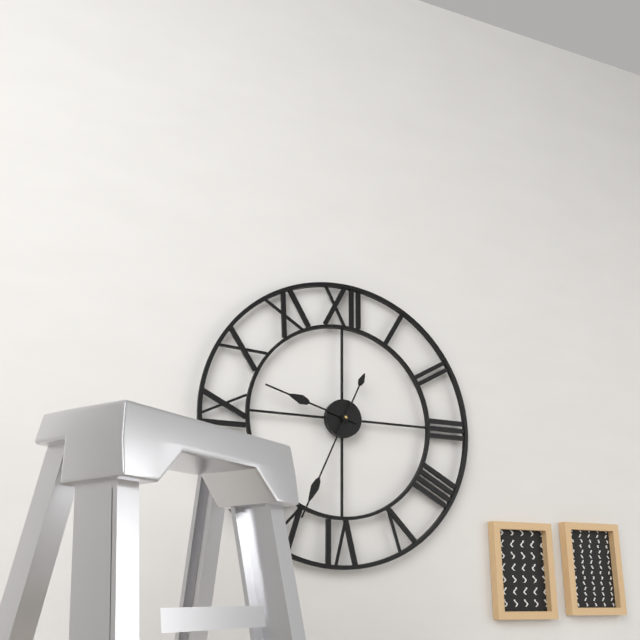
9:34
